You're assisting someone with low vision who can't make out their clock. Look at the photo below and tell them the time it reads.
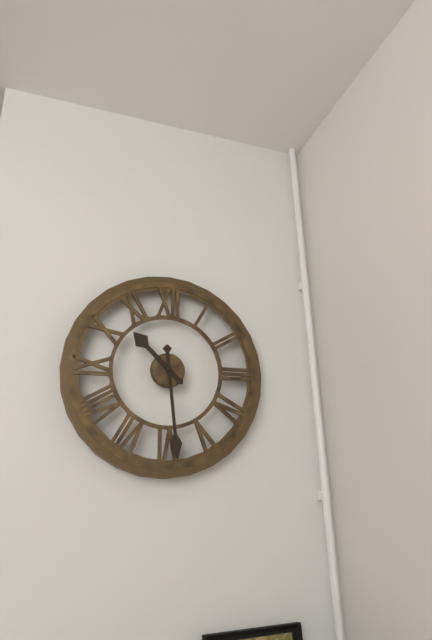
10:29
